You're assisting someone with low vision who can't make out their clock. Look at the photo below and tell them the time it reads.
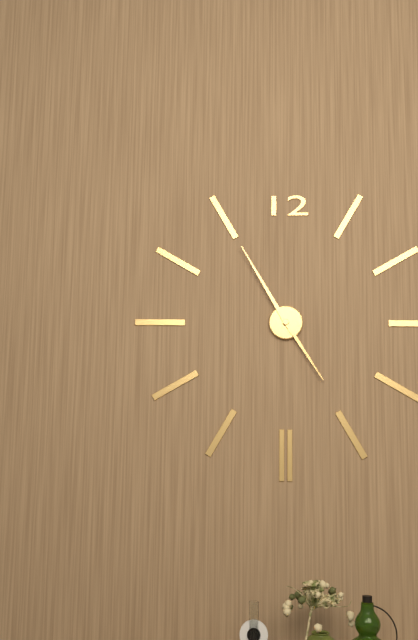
4:55
